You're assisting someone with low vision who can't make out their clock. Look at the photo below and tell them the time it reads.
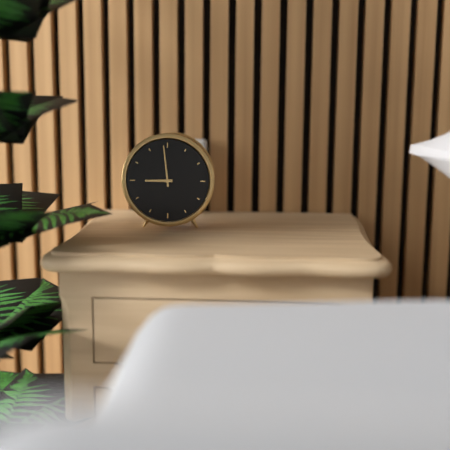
8:59
